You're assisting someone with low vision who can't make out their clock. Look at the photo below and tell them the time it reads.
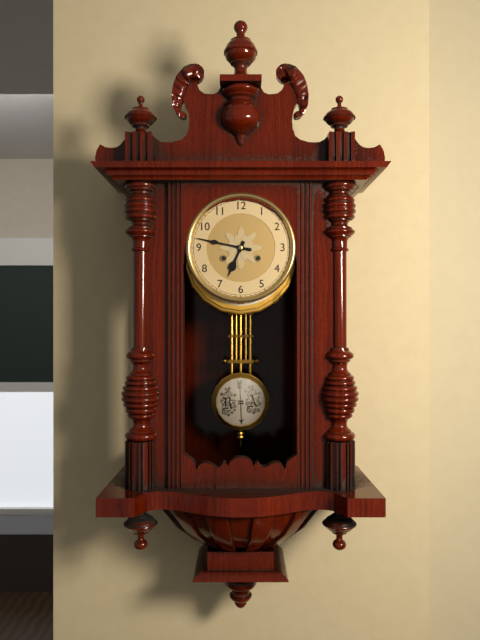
6:47
